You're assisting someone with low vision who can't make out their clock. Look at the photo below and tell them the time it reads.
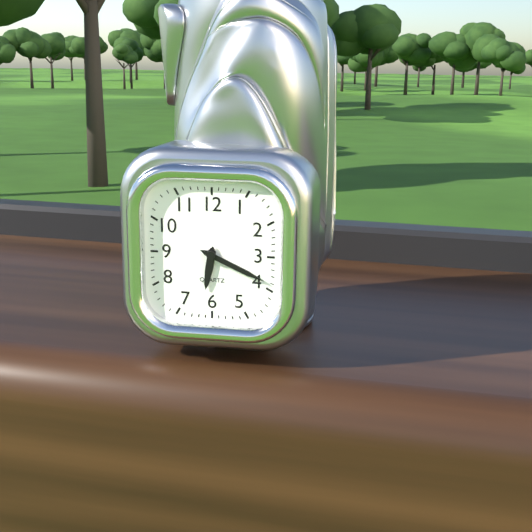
6:19
